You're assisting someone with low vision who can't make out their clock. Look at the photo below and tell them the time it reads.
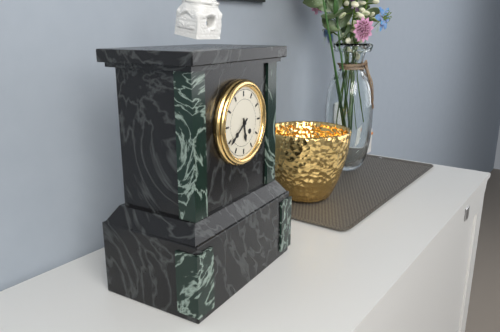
5:39
